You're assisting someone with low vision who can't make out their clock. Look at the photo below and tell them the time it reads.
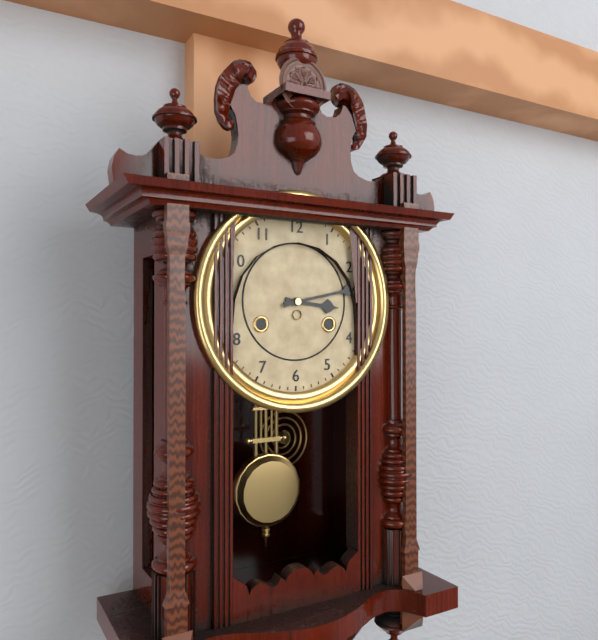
3:13
